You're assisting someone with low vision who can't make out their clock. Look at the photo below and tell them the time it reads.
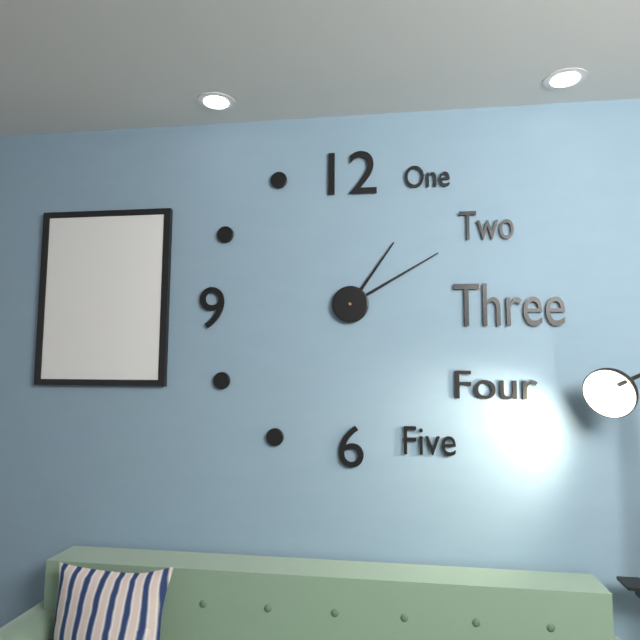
1:10
